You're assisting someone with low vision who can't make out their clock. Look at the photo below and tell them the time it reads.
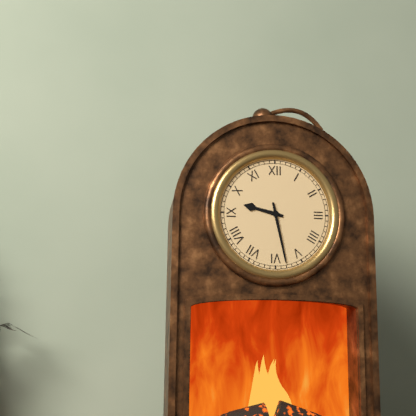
9:28
